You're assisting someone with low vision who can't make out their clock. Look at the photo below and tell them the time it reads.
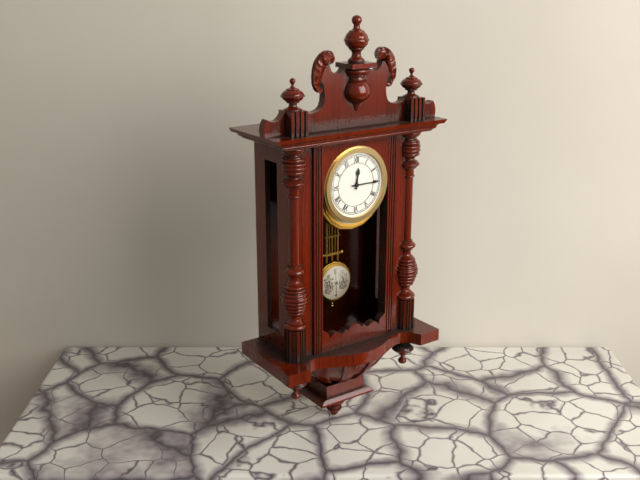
12:15
